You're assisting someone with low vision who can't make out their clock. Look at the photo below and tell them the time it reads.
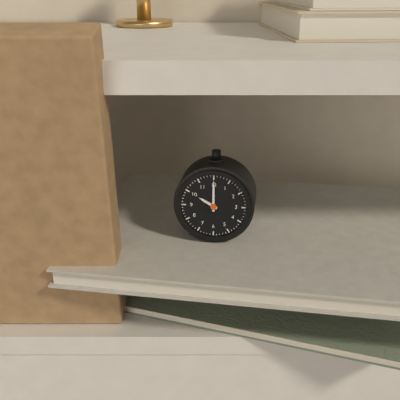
10:00
